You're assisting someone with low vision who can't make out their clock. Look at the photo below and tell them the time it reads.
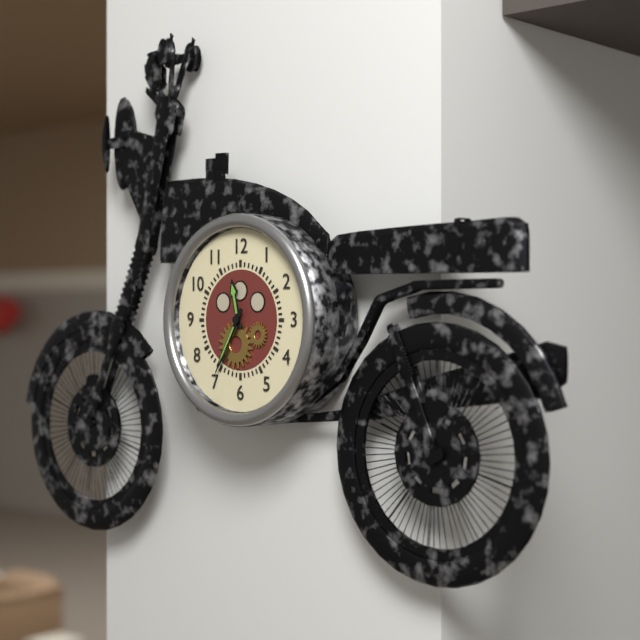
11:35
